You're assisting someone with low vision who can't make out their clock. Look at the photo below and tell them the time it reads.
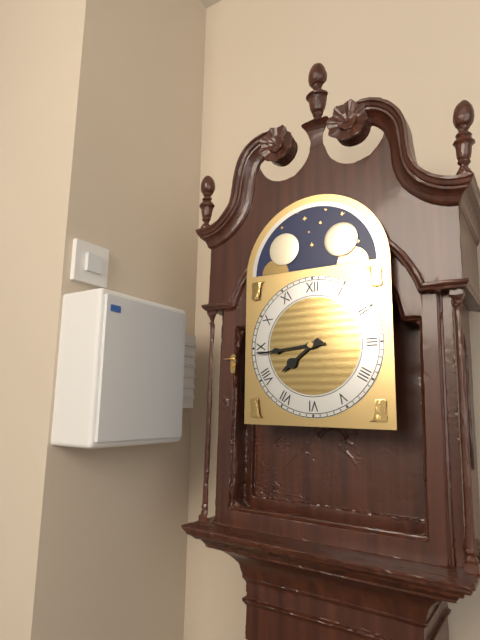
7:44
